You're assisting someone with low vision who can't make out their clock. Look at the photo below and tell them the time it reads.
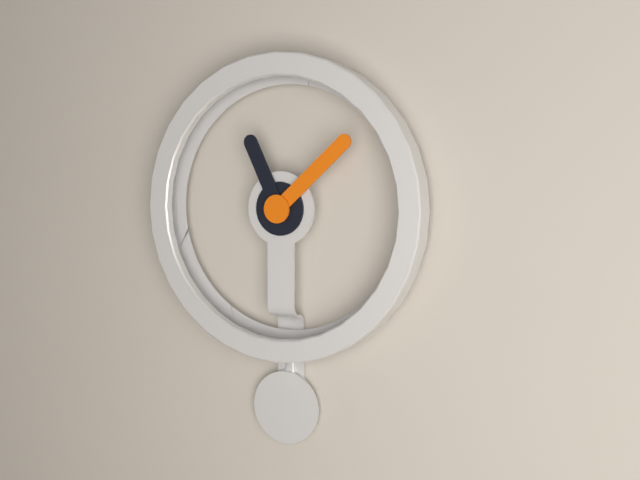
11:08
